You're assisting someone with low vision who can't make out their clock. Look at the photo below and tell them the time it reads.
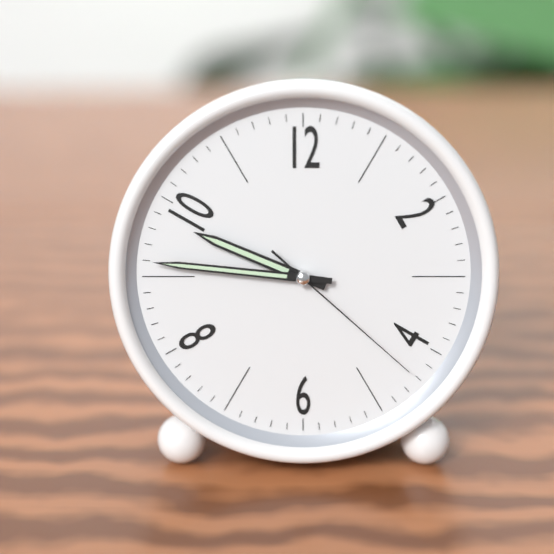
9:46:22
